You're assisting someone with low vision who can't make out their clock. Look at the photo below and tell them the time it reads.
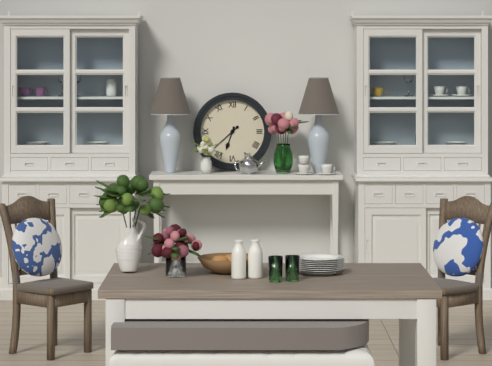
6:38
